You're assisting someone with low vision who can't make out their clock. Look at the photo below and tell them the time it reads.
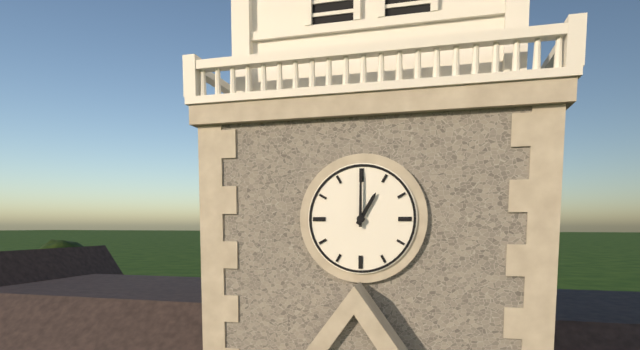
1:00
